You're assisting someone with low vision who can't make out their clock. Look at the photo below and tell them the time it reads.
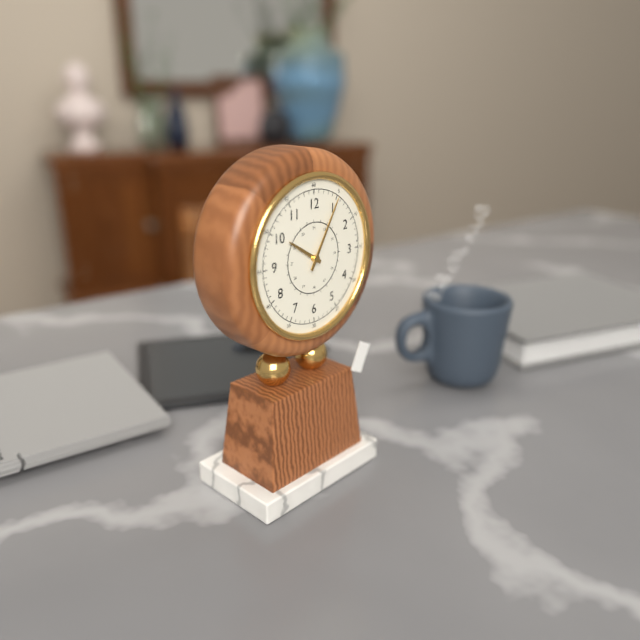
10:05
